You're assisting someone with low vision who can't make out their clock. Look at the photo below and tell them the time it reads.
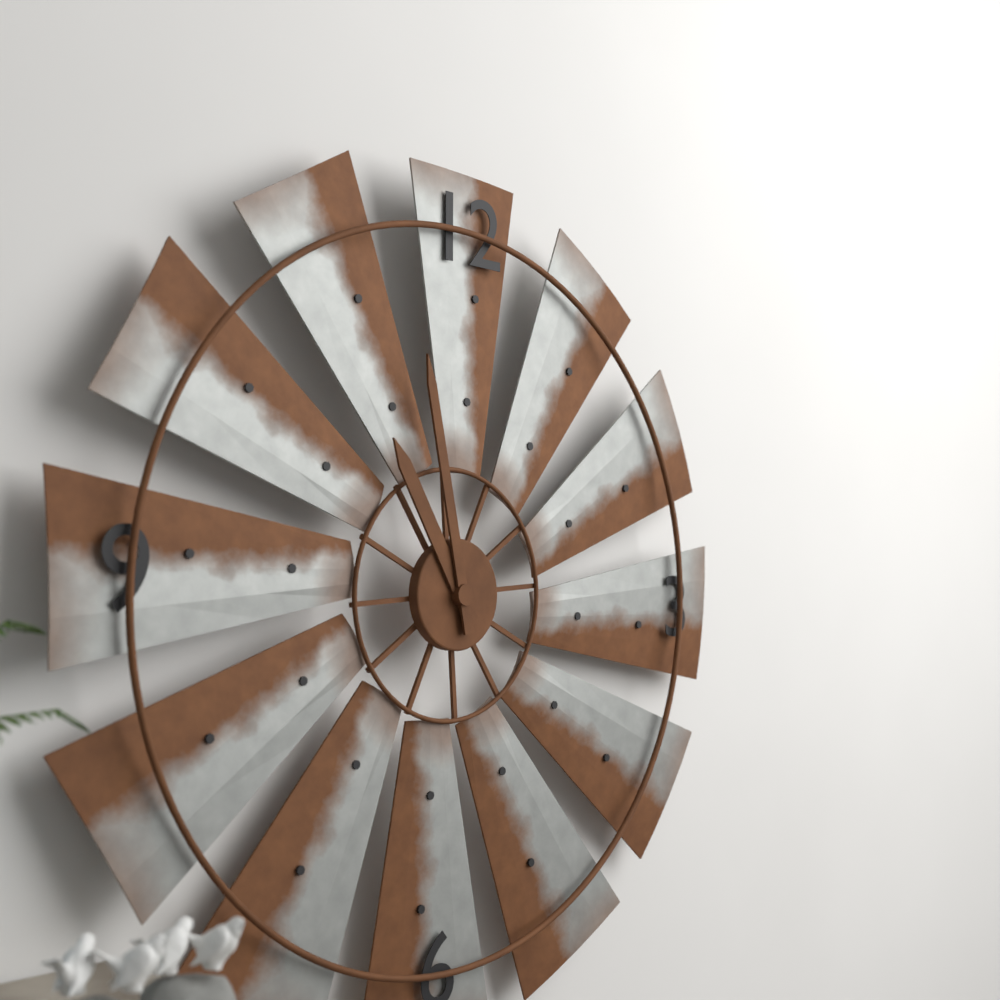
10:58
